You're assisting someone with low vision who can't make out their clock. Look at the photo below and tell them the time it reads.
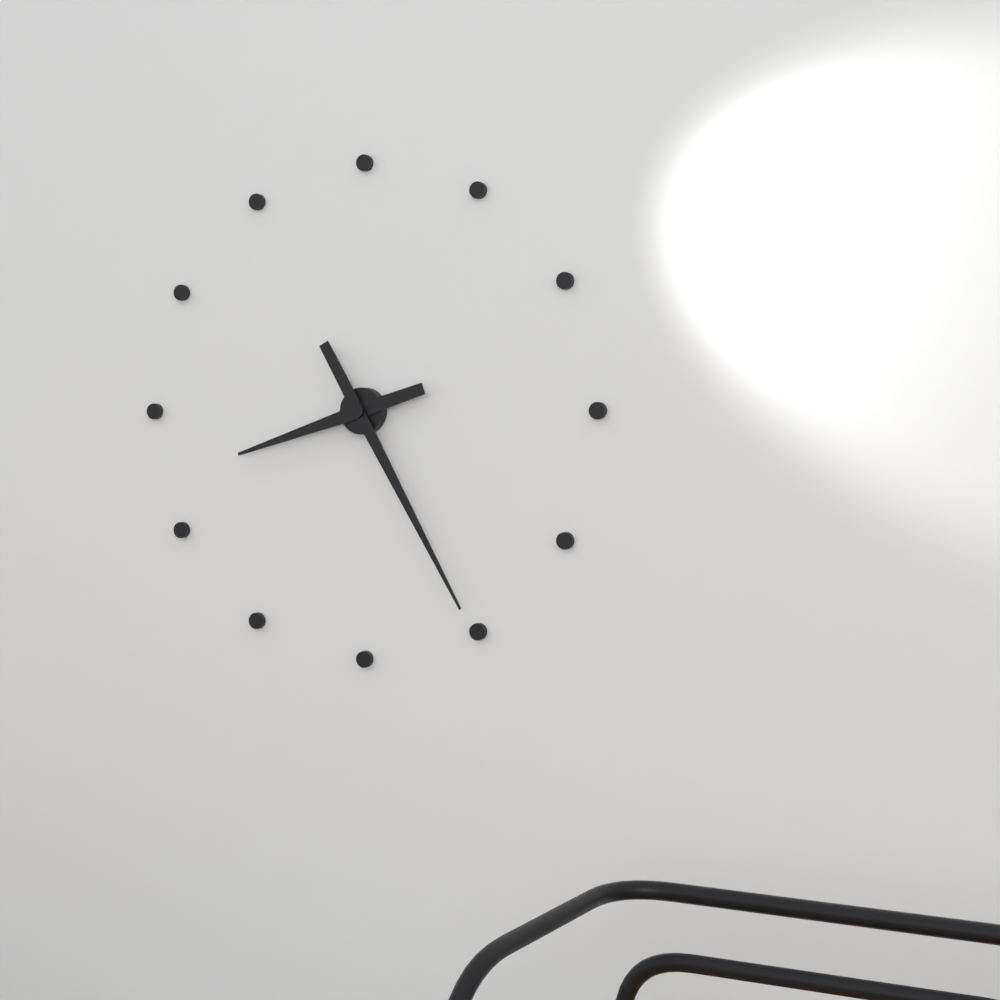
8:25
